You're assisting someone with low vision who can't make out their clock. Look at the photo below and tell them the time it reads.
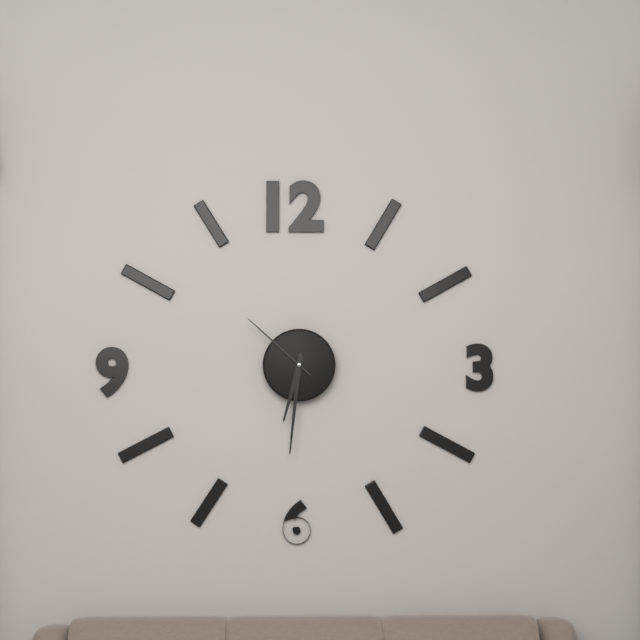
6:31:52
